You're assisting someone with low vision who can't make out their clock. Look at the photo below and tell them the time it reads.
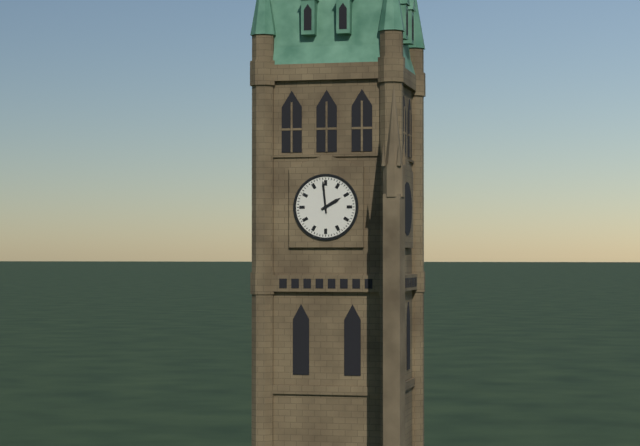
1:59
